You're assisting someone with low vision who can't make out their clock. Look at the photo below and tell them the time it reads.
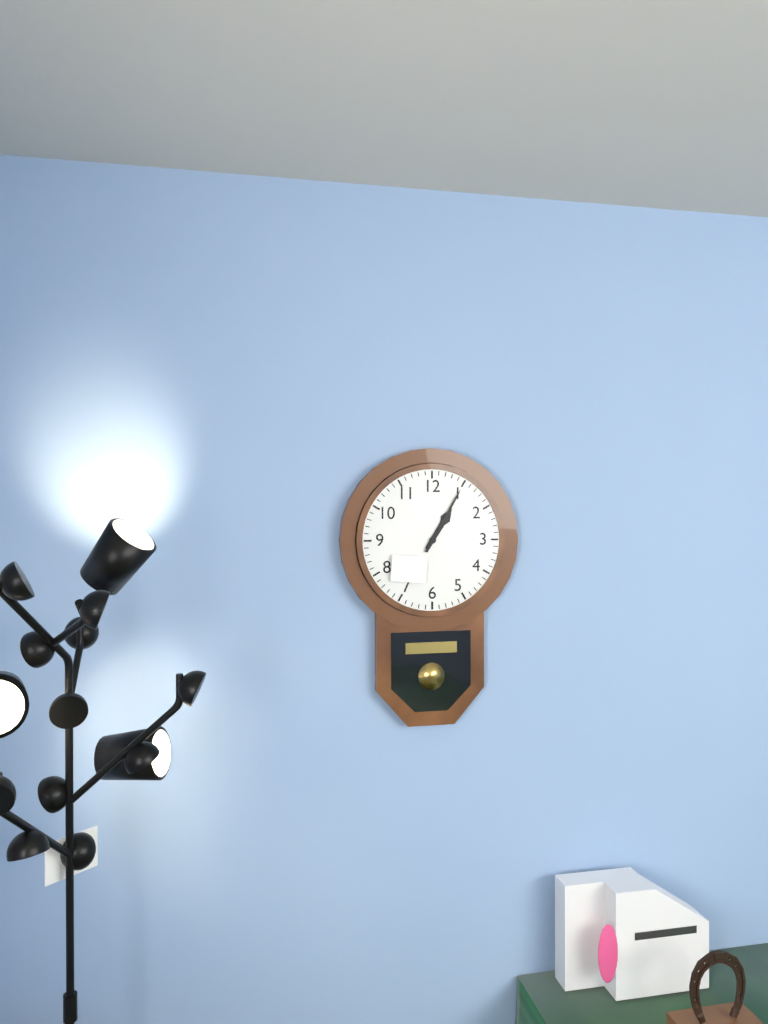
1:05
